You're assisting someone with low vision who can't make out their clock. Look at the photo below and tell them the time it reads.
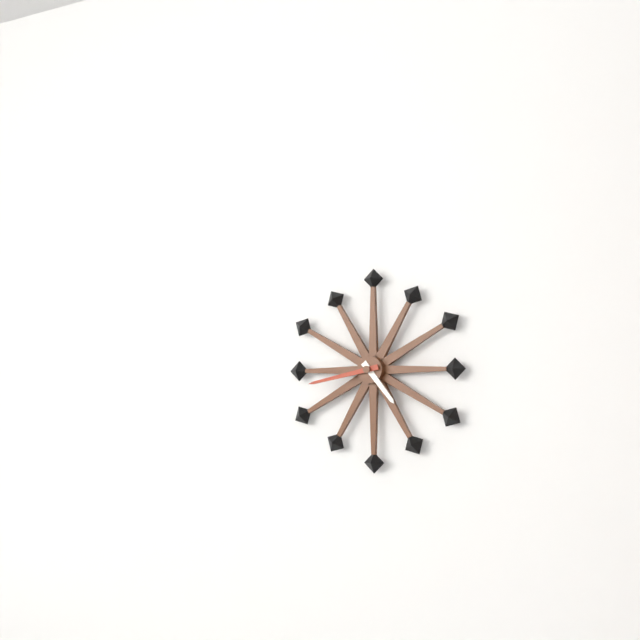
4:43
